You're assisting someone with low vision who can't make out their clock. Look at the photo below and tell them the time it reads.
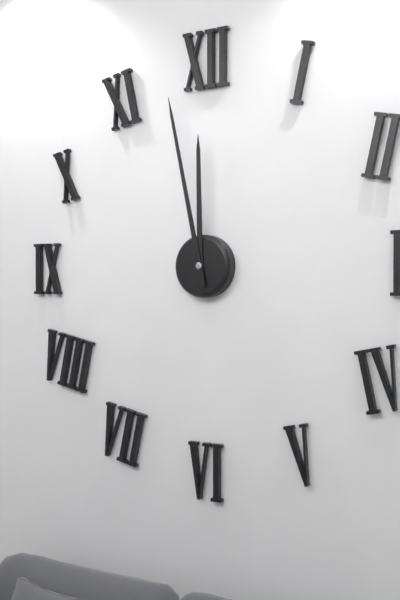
11:58
